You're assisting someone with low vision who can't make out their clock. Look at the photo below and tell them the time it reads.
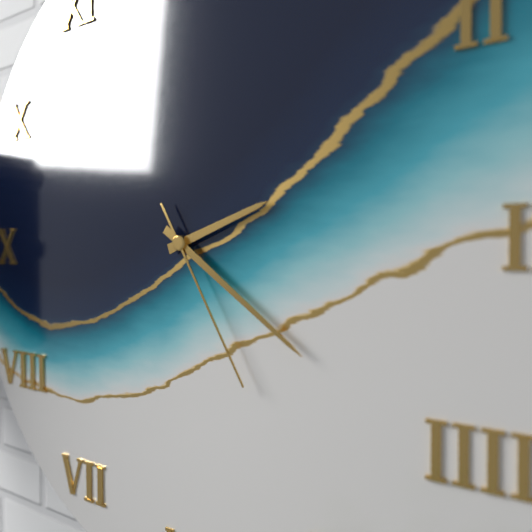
2:21:25
